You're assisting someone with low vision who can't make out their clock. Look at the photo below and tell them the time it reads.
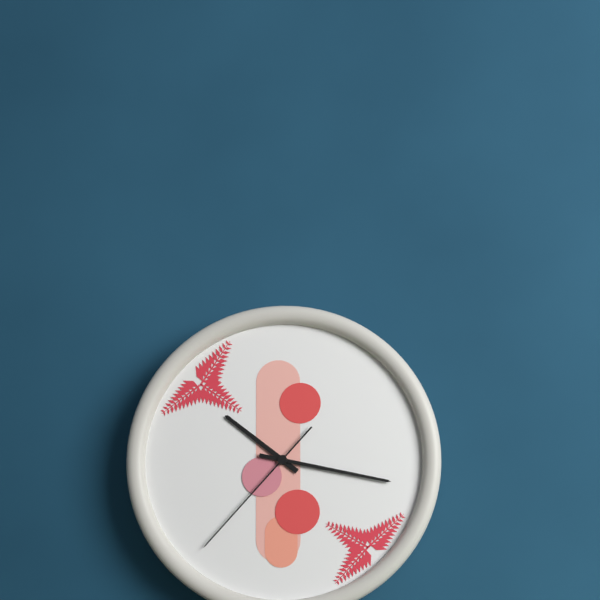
10:17:37
